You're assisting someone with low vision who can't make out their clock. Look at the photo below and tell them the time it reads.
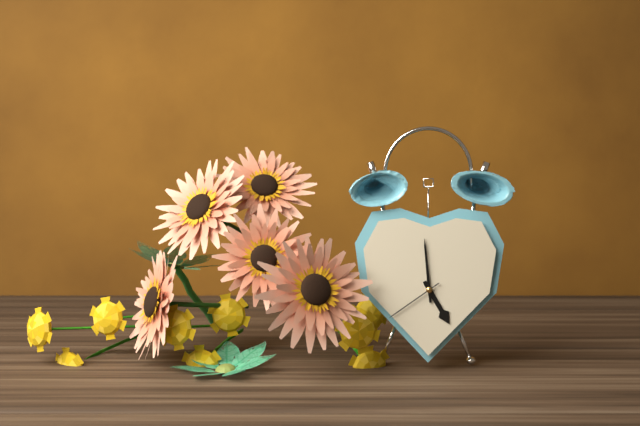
4:59:39
